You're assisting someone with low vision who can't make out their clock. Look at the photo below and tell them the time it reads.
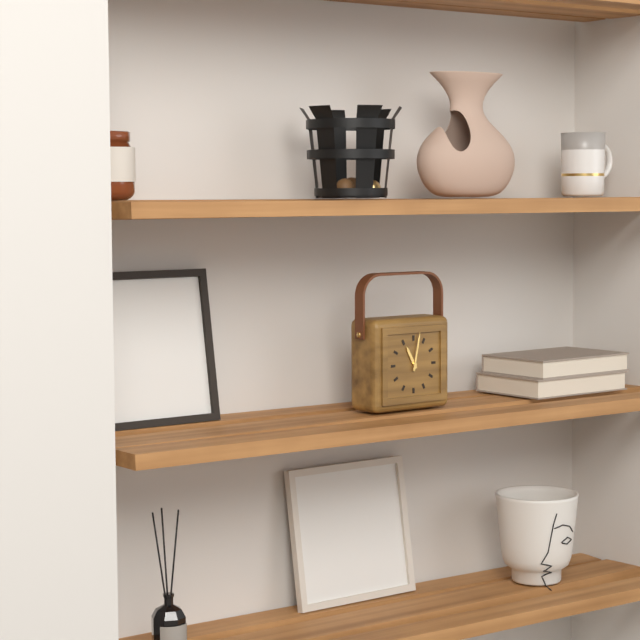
11:02
